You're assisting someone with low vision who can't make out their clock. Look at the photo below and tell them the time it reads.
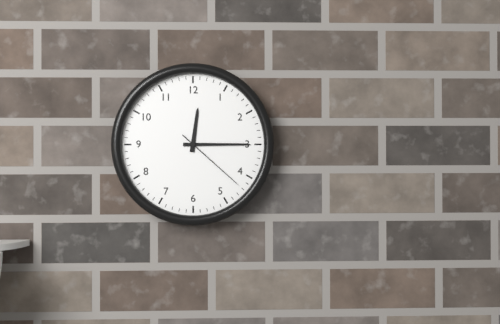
12:15:22
